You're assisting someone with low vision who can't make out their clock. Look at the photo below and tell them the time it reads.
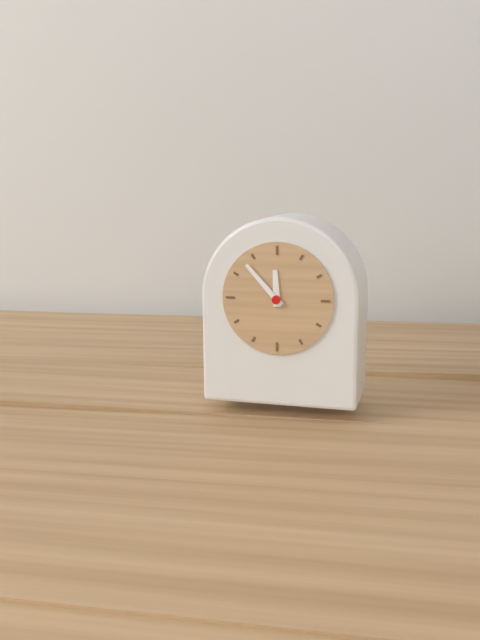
11:53
